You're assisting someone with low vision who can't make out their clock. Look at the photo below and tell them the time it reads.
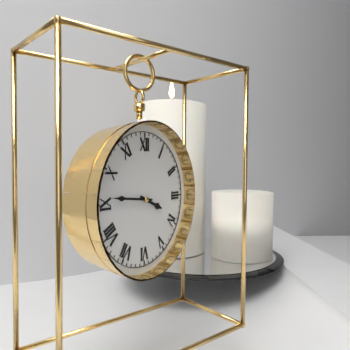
3:46
